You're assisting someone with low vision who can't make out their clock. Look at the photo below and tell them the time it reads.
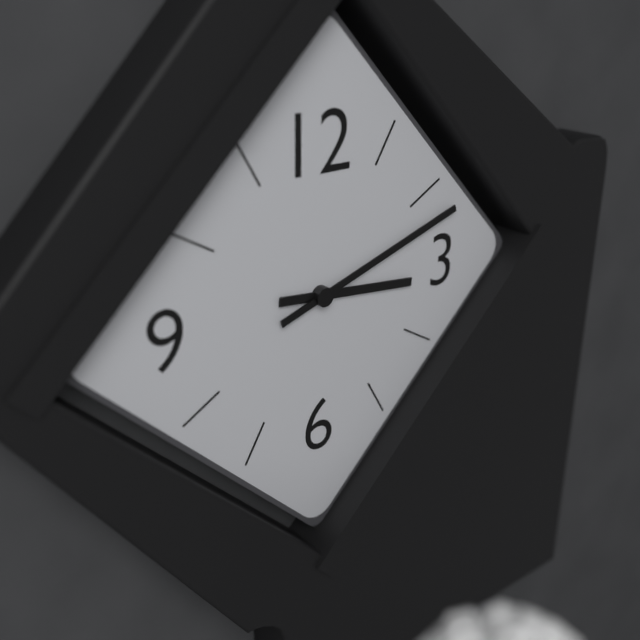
3:12
